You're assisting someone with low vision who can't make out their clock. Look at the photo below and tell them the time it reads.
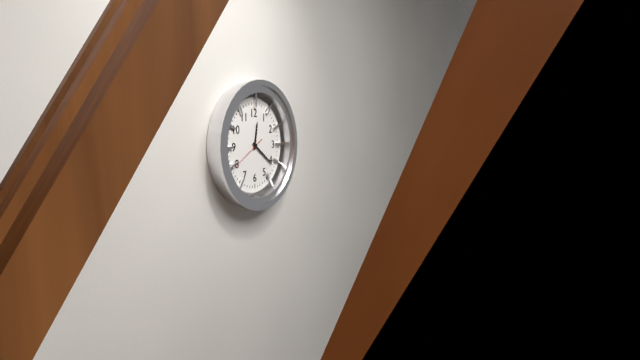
12:21
